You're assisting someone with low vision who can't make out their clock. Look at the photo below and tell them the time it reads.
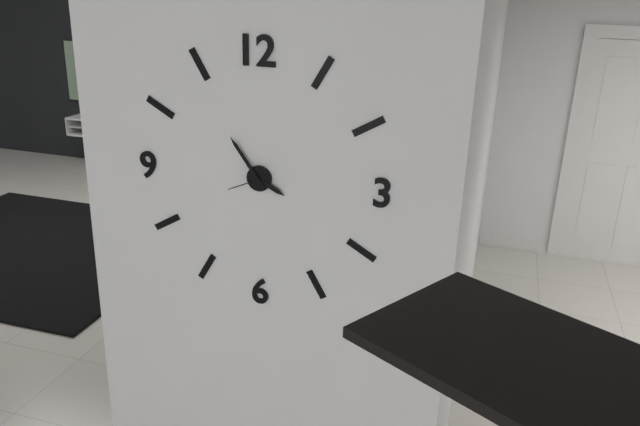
3:54
